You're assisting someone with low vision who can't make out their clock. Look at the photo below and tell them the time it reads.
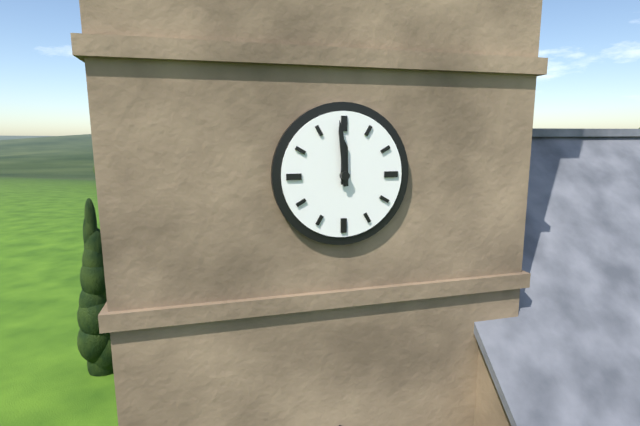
11:59
